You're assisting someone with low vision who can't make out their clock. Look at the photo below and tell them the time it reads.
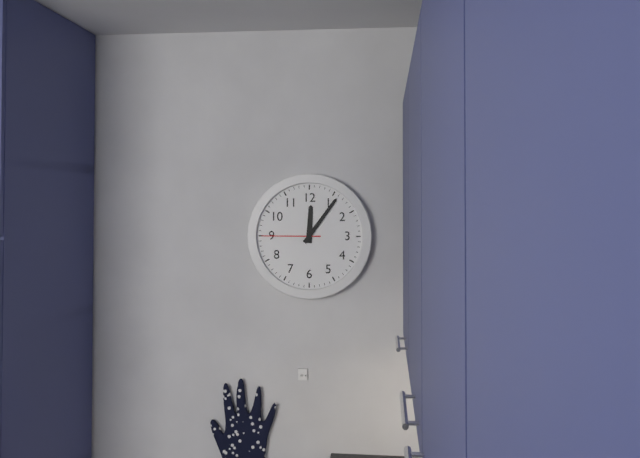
12:06:45
